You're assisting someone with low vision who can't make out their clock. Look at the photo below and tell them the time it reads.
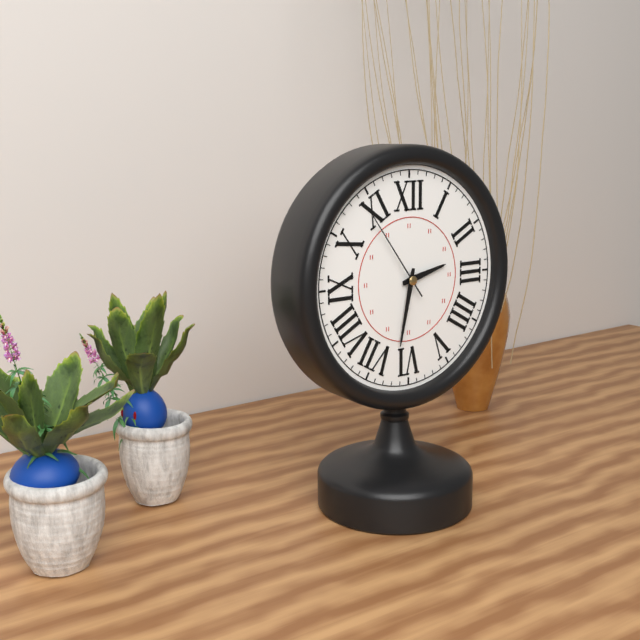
2:32:54
